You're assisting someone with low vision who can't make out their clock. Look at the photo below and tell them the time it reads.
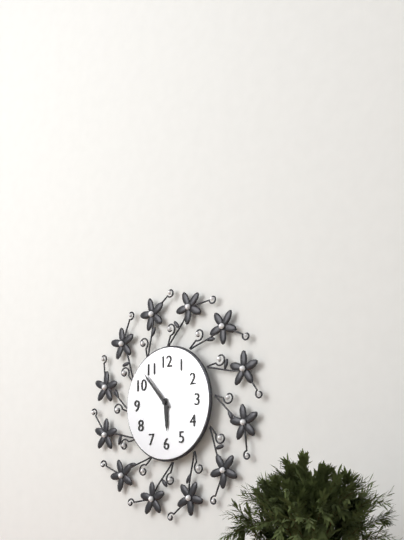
5:53
